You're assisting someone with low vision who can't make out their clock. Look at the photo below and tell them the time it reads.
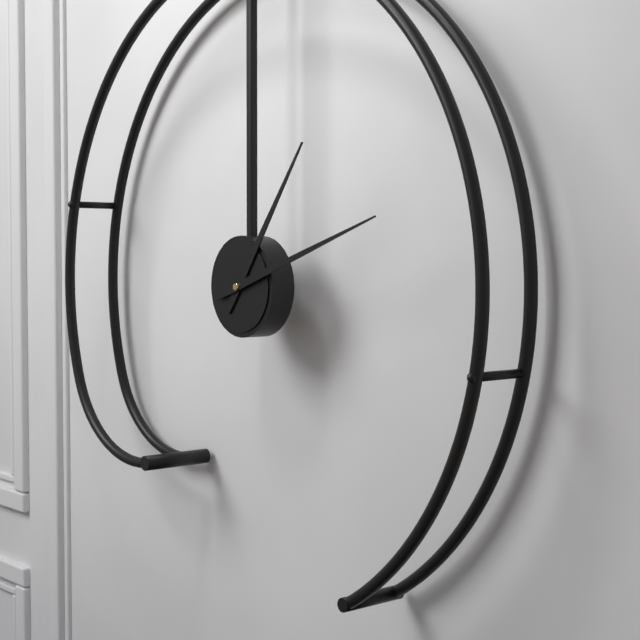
1:12
